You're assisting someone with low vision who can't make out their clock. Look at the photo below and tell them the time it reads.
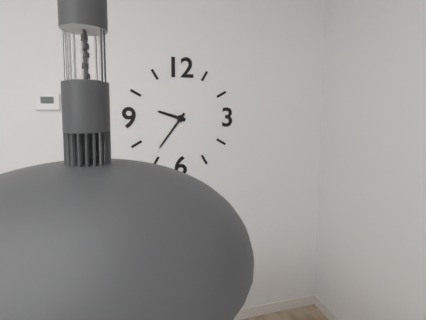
9:36
